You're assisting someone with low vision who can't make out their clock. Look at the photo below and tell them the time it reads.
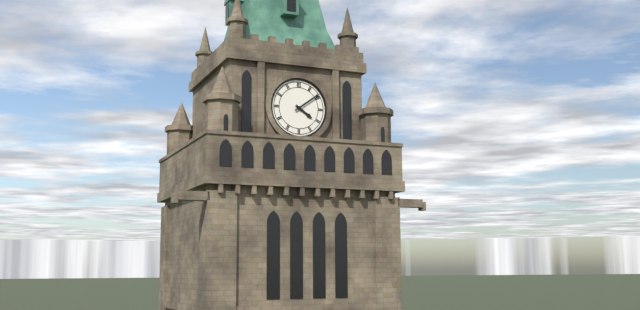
4:09
